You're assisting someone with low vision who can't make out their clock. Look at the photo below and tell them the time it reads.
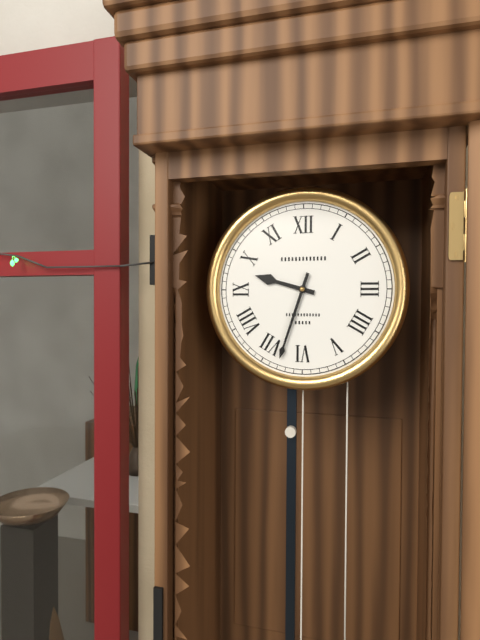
9:33
